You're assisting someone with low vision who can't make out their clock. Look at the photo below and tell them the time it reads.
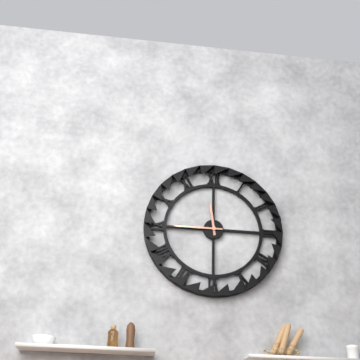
11:45
